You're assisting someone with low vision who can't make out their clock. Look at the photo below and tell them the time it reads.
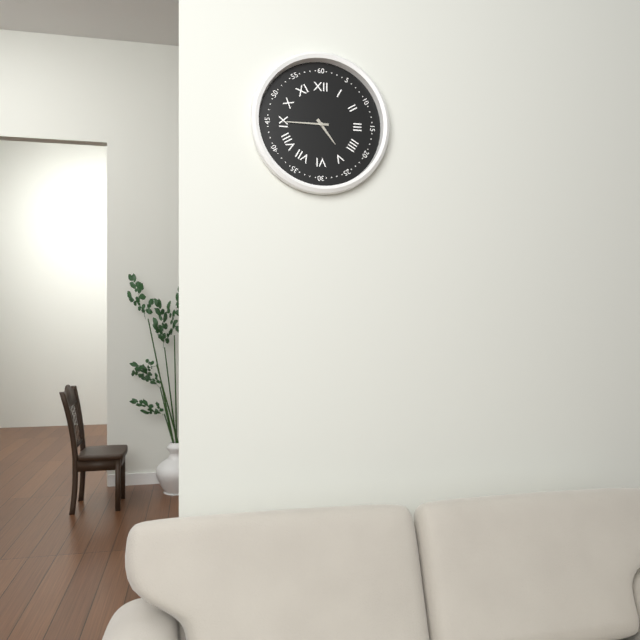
4:45
